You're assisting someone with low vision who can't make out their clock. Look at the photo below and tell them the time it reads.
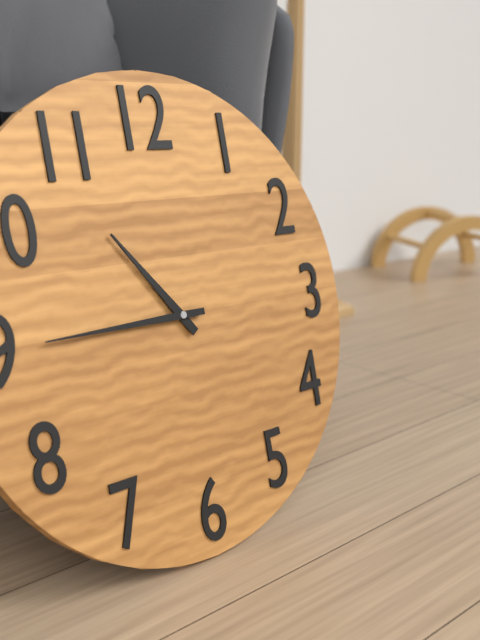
10:45
